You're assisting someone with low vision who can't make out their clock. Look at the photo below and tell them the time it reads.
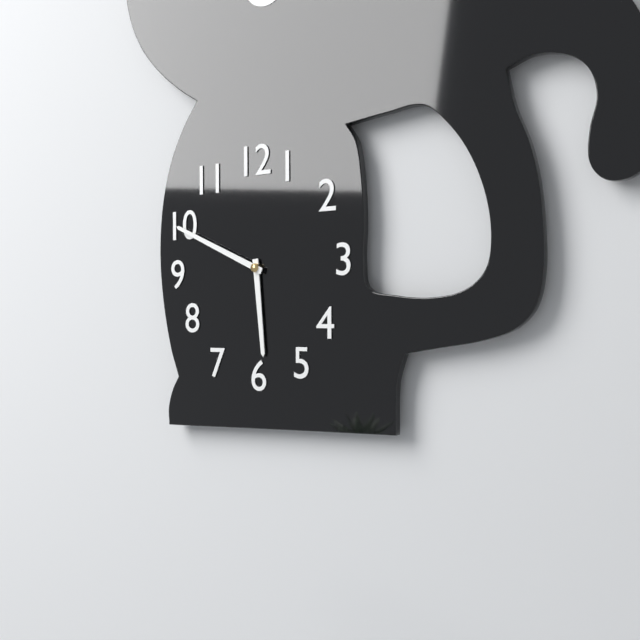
5:49
